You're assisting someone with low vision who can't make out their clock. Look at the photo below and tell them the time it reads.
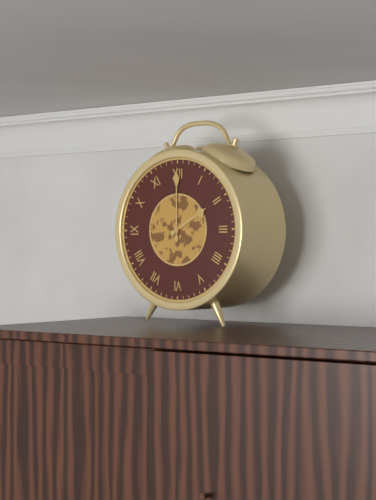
2:00
